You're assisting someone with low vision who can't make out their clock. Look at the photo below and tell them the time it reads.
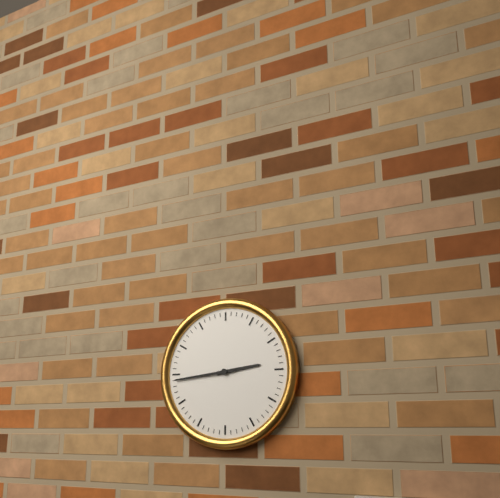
2:44
